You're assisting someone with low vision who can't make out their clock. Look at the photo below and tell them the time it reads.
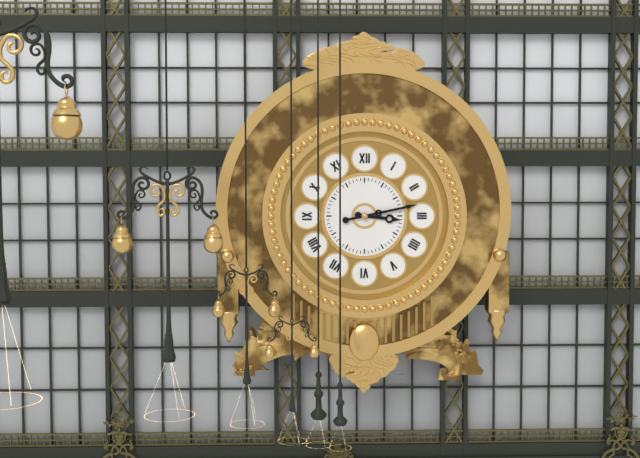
3:13
